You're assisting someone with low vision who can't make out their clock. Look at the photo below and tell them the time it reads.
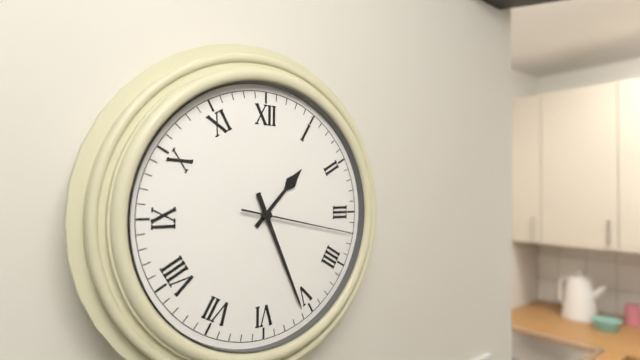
1:26:17
